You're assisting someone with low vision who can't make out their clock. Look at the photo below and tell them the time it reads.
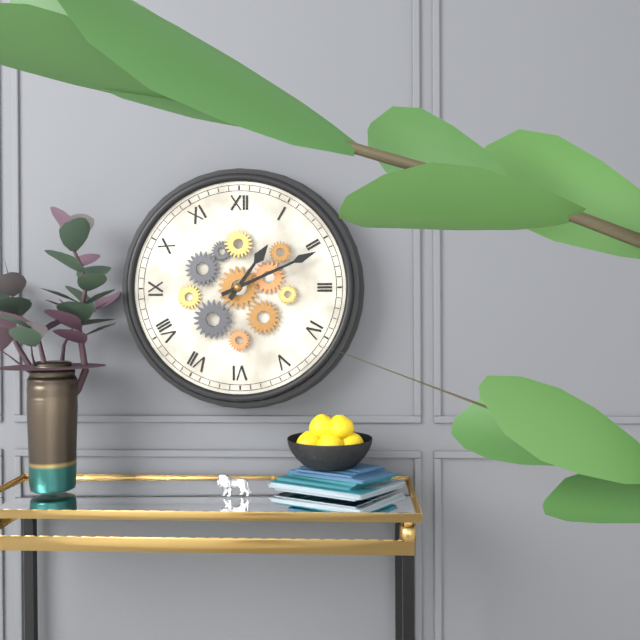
1:11
